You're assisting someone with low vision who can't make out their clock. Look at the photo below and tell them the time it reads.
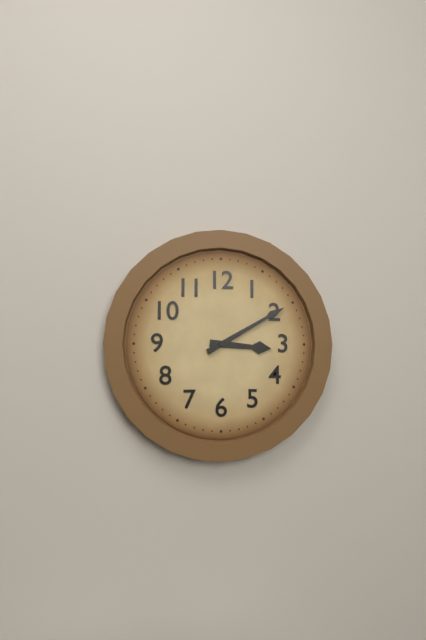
3:10
